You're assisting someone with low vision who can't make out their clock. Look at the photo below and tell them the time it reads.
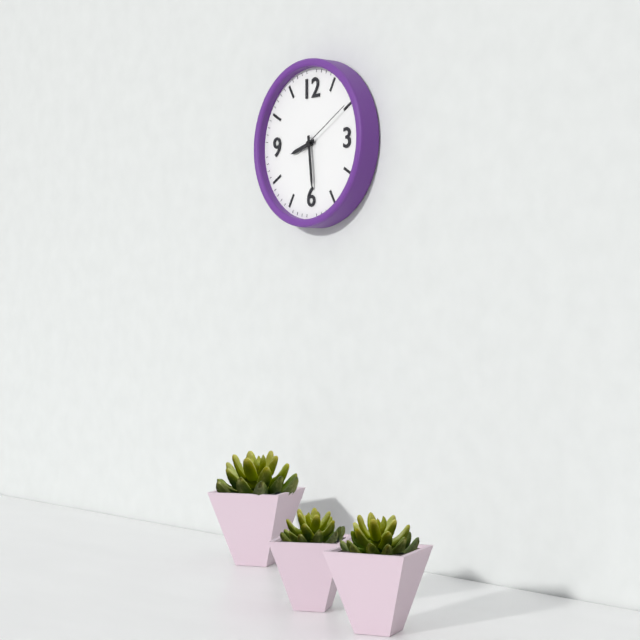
8:29:10
